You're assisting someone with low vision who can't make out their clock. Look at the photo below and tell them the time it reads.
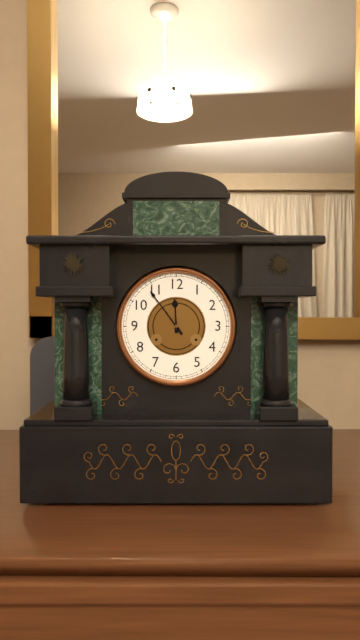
11:54
